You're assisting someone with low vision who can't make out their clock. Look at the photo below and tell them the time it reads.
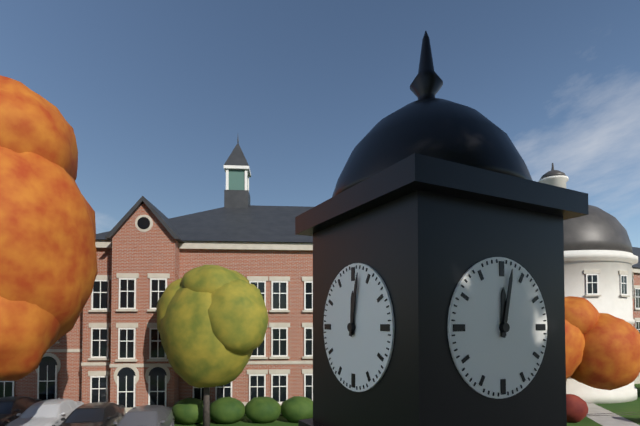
12:02
